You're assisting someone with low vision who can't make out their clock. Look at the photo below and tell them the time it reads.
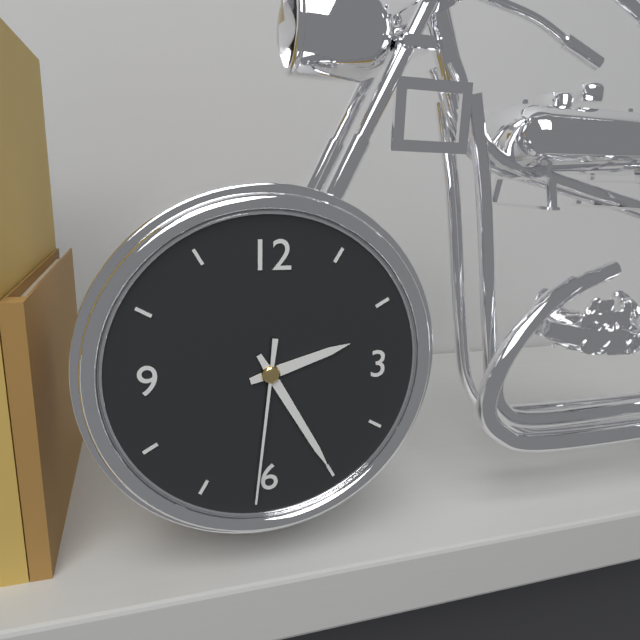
2:25:31
